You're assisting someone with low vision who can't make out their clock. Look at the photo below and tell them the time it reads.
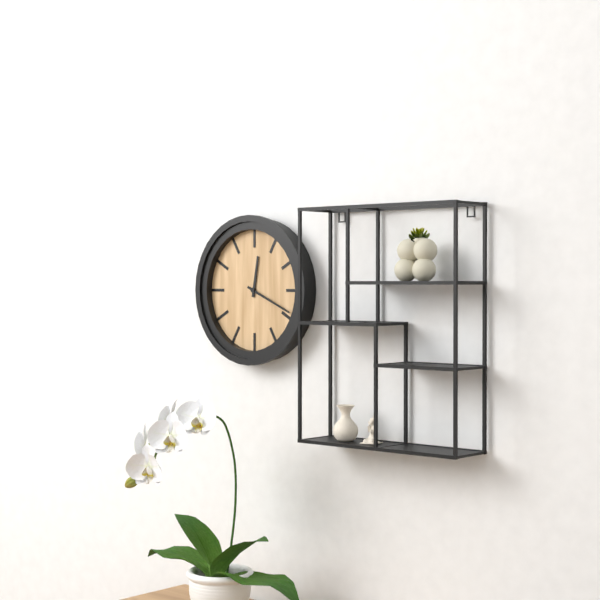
12:19
